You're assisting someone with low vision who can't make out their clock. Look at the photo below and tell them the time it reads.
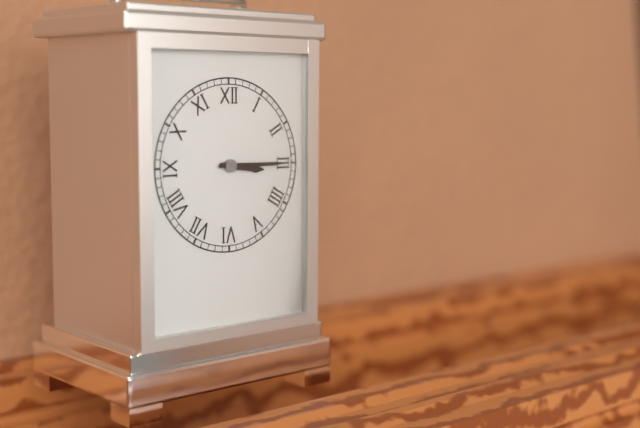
3:15
